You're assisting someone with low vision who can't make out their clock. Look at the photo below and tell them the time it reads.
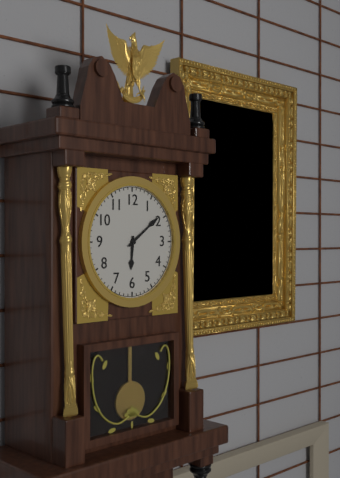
6:09
